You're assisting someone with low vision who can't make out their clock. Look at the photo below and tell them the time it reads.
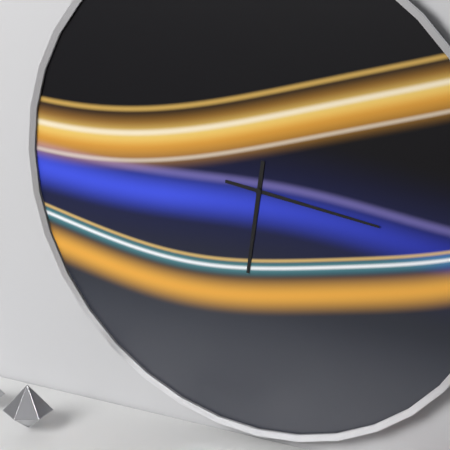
6:16
